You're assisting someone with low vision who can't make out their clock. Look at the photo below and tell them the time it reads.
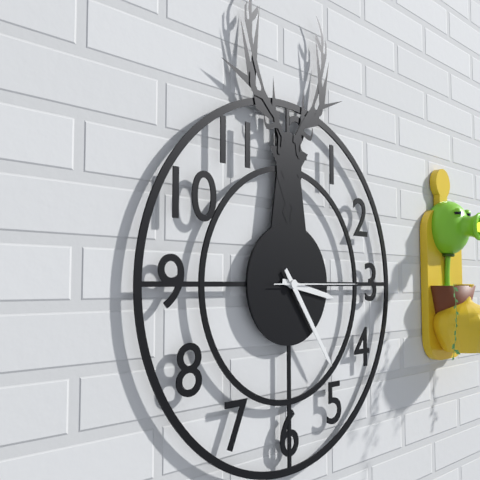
3:24:15
